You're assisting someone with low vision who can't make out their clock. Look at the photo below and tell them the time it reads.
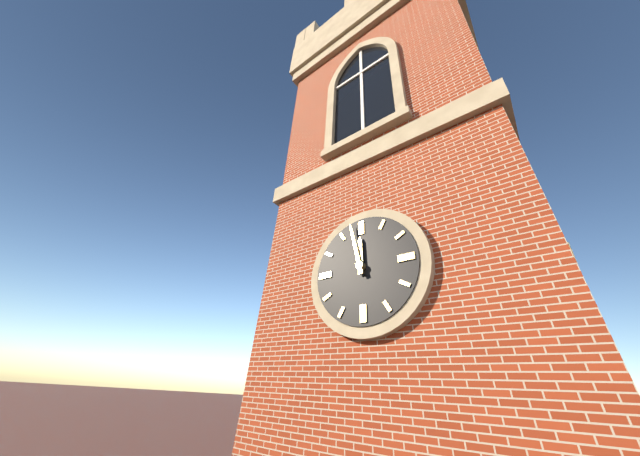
11:58
